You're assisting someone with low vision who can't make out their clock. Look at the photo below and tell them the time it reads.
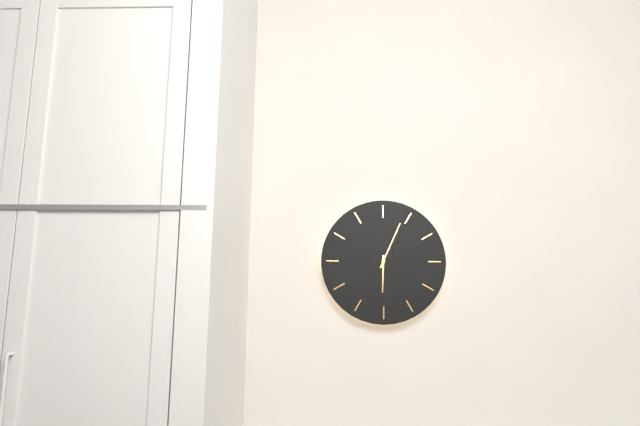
6:04
